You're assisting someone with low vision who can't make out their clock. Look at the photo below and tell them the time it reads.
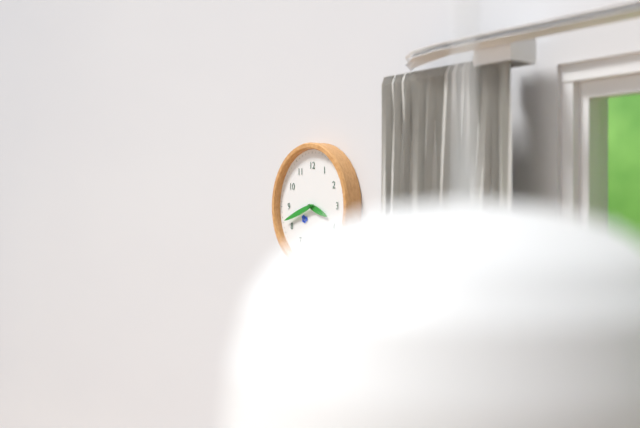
3:42
